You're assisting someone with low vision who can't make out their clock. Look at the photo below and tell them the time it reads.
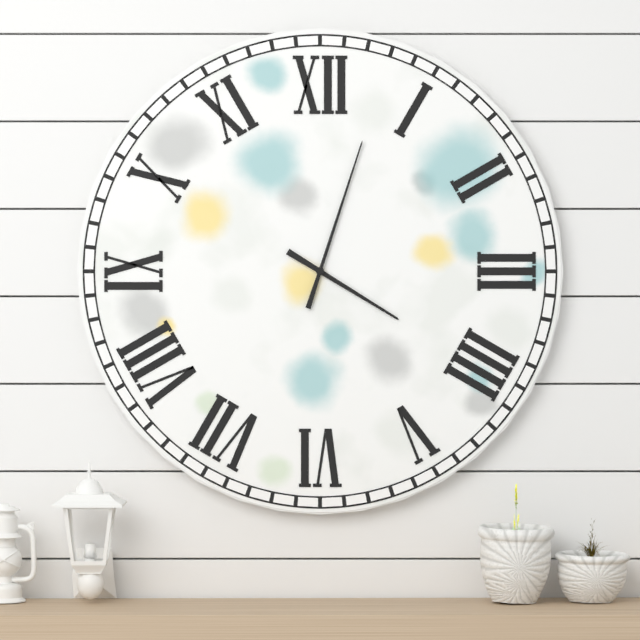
4:03
